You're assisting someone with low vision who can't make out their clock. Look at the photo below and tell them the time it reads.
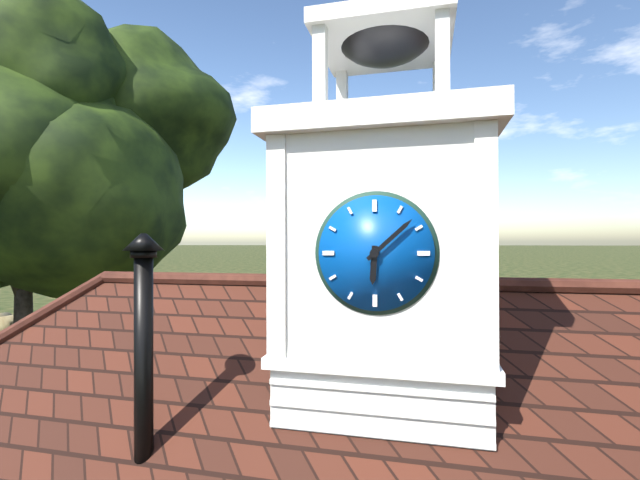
6:08
